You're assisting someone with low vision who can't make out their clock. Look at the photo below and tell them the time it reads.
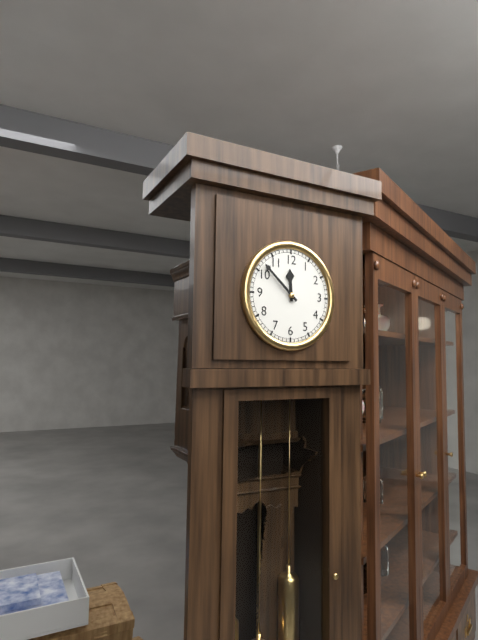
11:52
